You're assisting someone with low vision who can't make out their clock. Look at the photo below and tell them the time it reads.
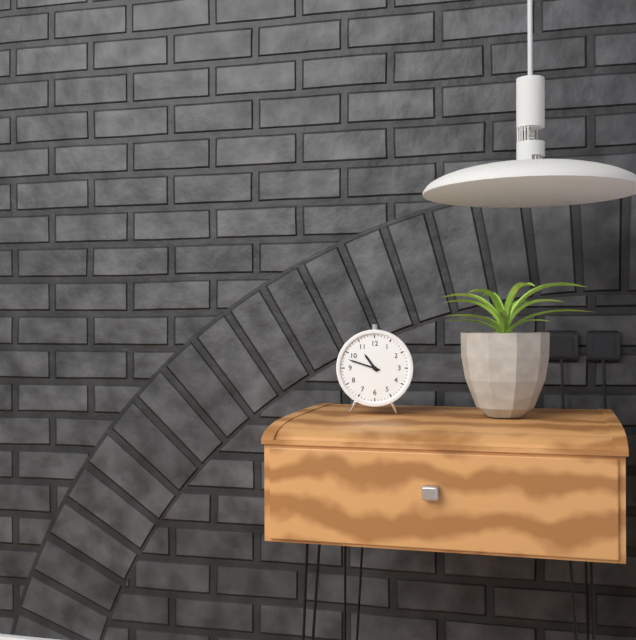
10:48
